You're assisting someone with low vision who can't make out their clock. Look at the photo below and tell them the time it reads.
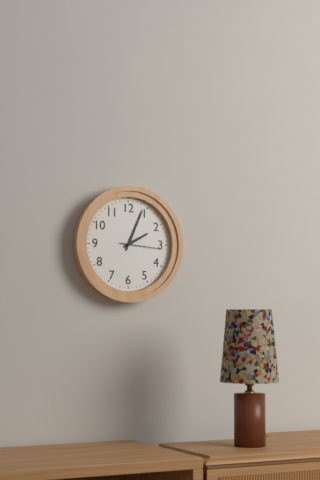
2:04
